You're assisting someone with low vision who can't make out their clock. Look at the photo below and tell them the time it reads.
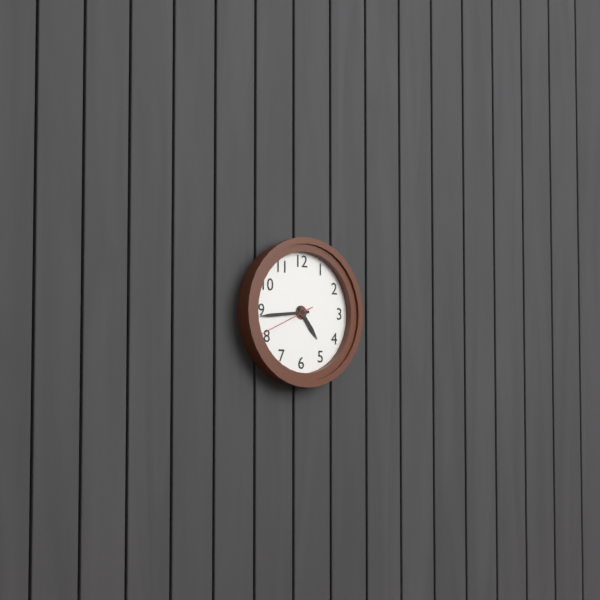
4:44:41
